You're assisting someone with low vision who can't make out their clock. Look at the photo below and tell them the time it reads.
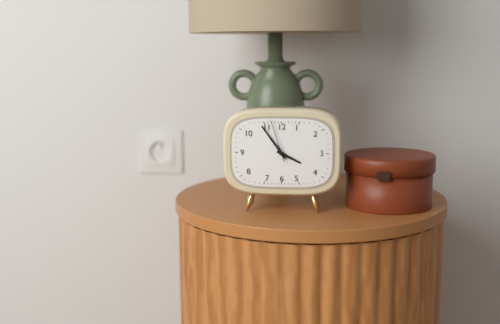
3:54
